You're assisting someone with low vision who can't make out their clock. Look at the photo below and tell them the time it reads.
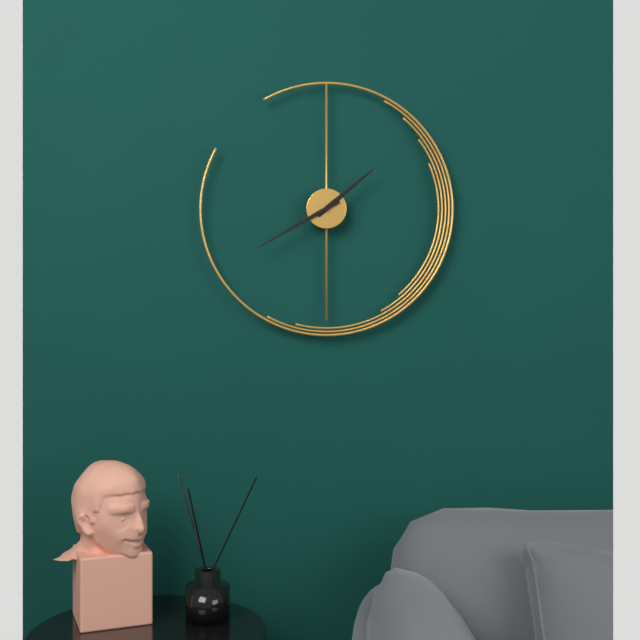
1:40
